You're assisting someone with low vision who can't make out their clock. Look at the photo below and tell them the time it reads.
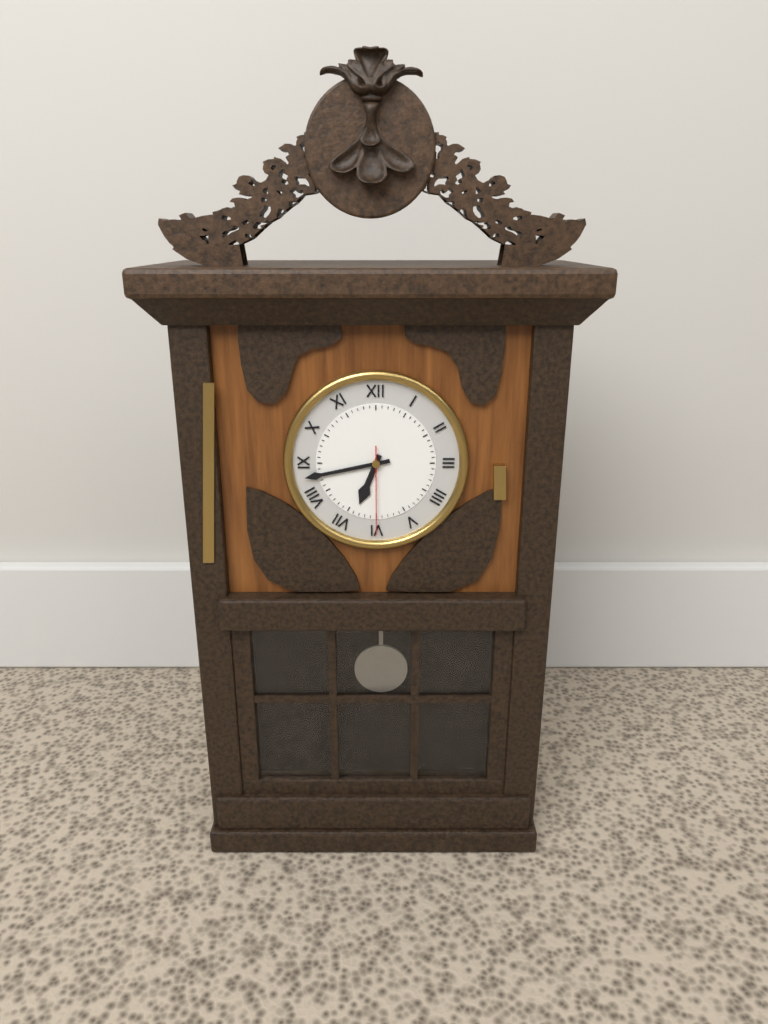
6:43:30
